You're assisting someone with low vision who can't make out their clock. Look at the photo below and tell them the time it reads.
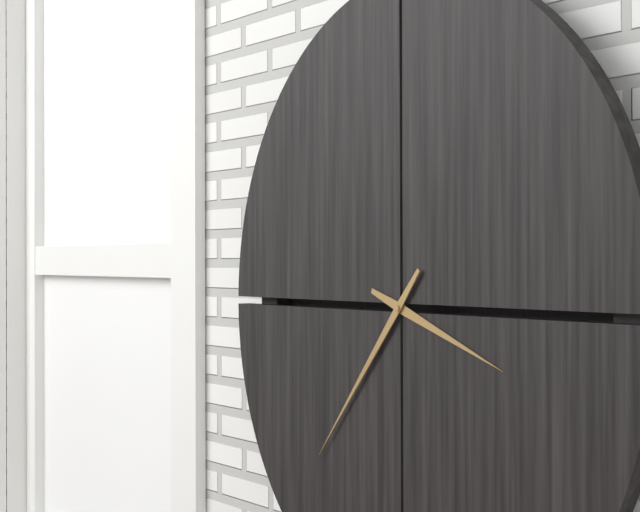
3:37
